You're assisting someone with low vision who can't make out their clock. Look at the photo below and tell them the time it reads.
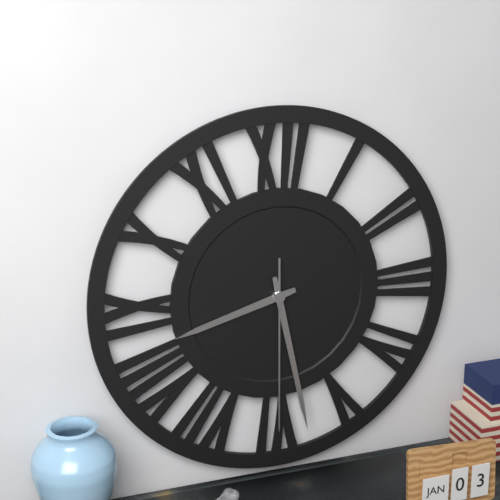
8:28:30
